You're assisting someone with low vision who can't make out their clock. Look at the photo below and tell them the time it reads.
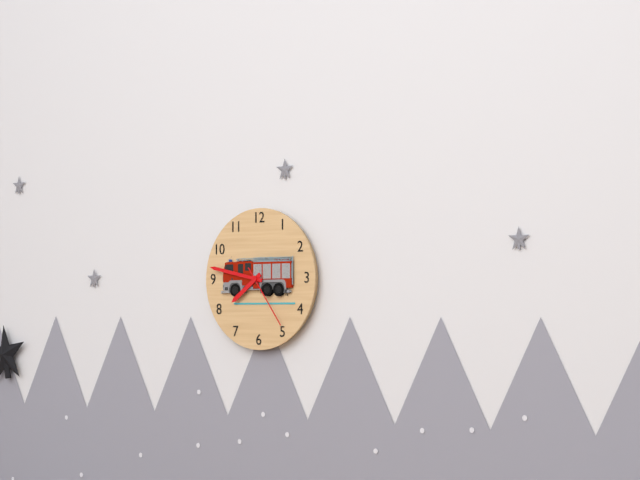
7:47:24
